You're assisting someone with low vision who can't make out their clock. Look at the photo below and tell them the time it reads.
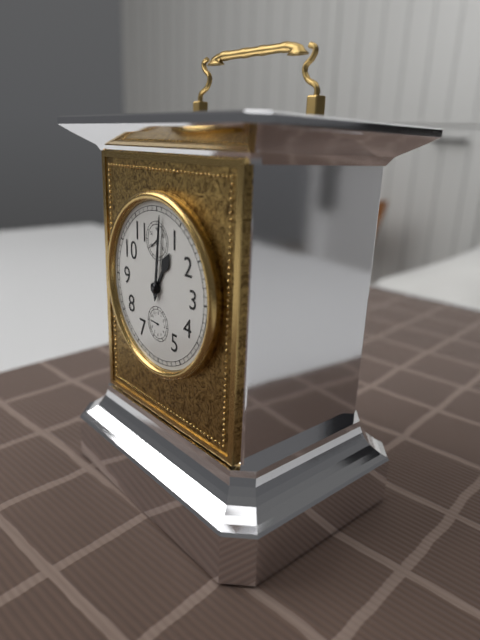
1:01
